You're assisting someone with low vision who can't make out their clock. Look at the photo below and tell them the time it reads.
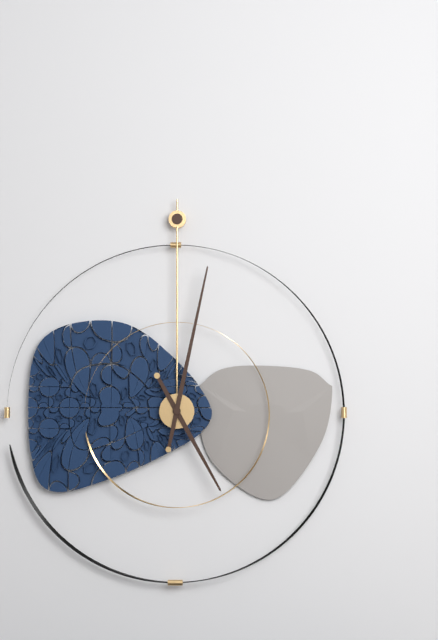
5:02
